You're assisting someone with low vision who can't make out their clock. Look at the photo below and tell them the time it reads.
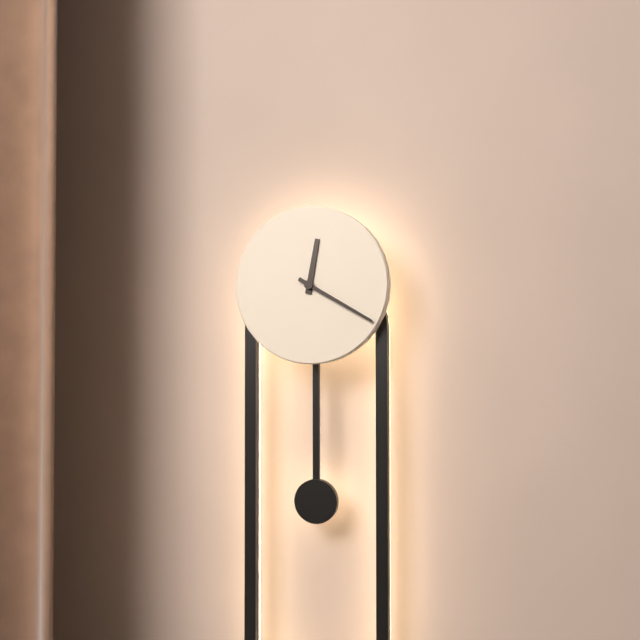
12:20
